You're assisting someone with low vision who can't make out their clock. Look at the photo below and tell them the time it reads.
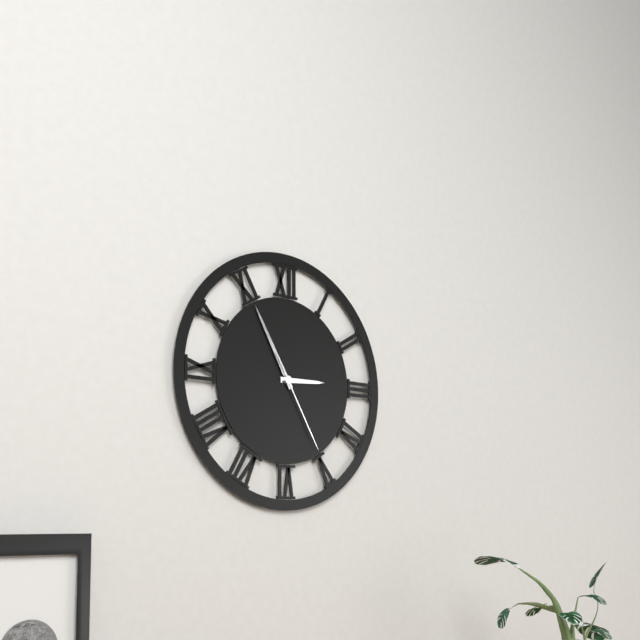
2:55:25
